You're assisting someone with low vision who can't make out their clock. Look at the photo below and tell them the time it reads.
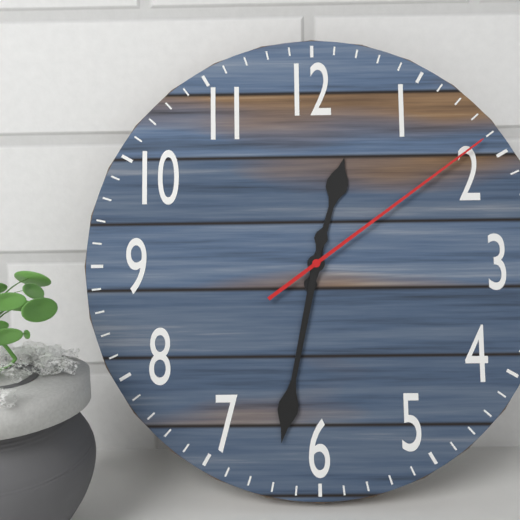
12:32:09
